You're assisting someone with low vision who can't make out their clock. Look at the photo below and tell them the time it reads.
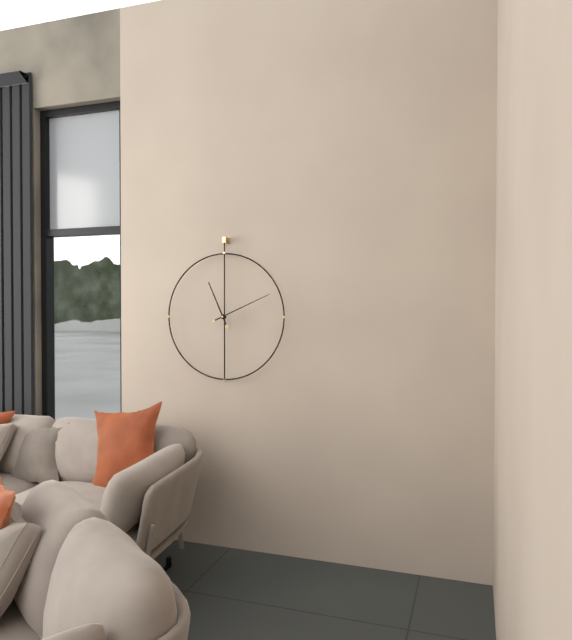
11:11
